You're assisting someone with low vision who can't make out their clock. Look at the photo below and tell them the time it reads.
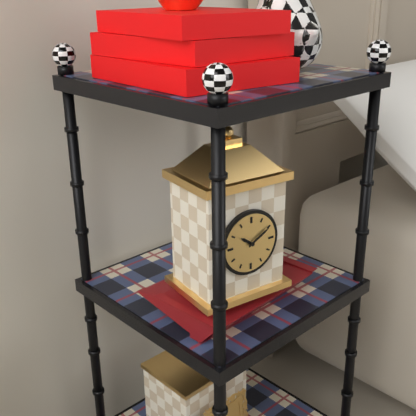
10:10
